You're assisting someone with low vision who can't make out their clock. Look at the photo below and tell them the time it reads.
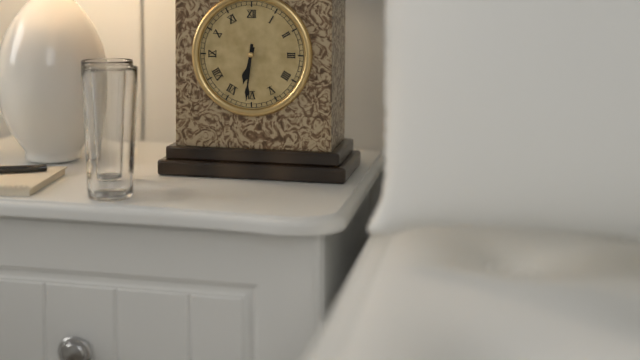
6:31
